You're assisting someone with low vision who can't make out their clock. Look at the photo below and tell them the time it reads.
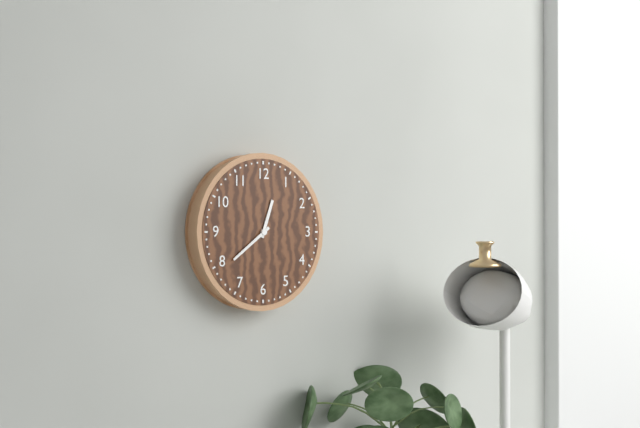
12:39
